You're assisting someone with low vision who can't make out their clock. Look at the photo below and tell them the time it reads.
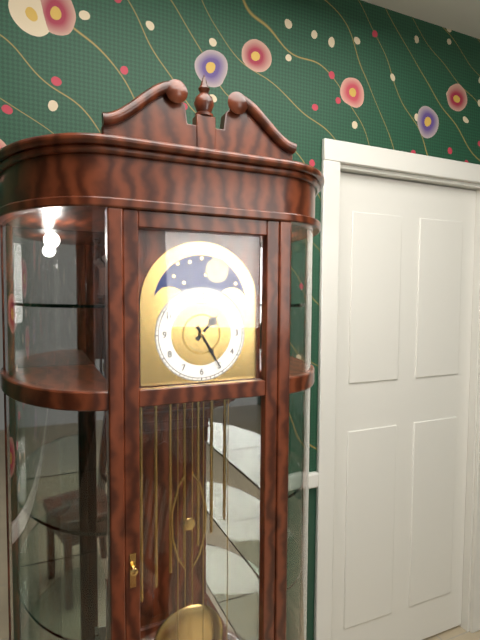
1:25
